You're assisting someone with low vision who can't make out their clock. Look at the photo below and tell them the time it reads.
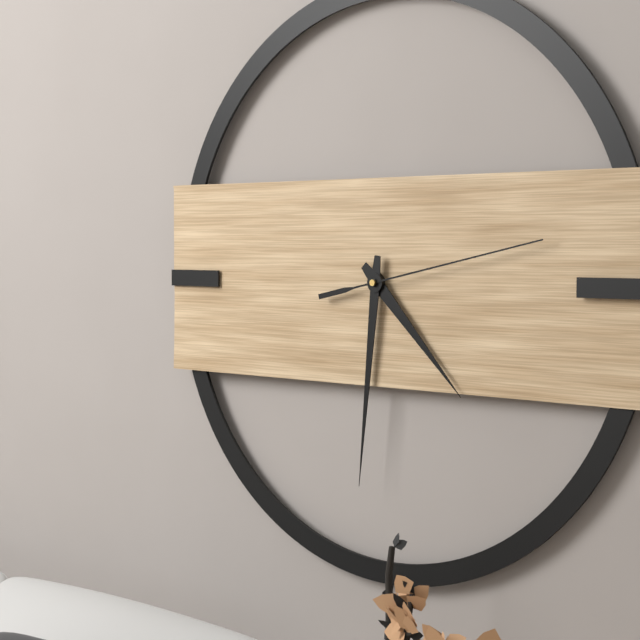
4:31:13
